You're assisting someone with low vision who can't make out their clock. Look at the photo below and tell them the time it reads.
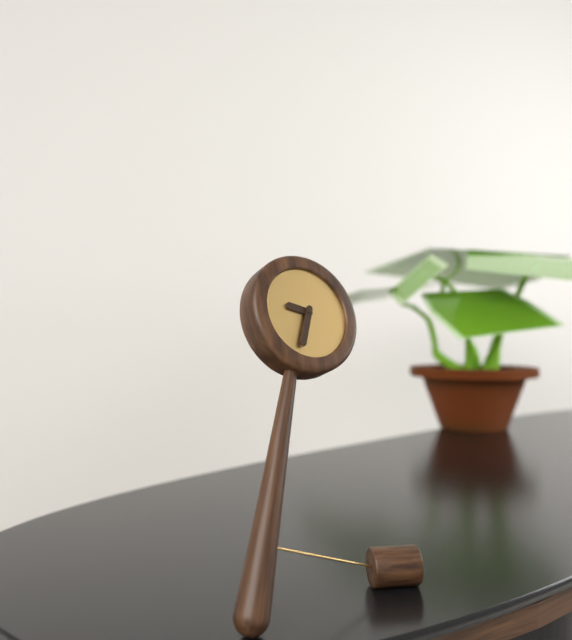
9:34
